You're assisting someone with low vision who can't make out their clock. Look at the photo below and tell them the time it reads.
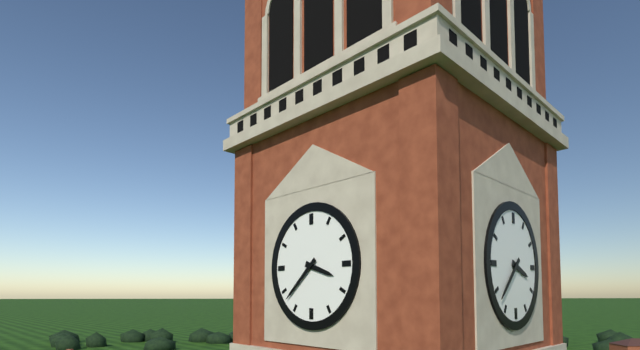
3:38
